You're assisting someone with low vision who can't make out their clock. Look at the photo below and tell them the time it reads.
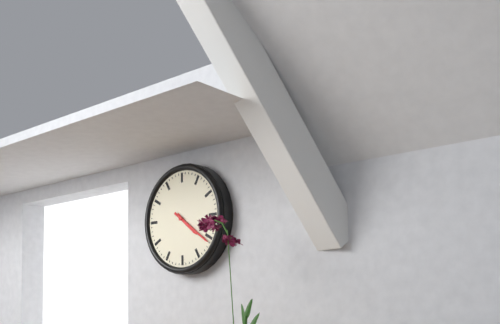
4:21
